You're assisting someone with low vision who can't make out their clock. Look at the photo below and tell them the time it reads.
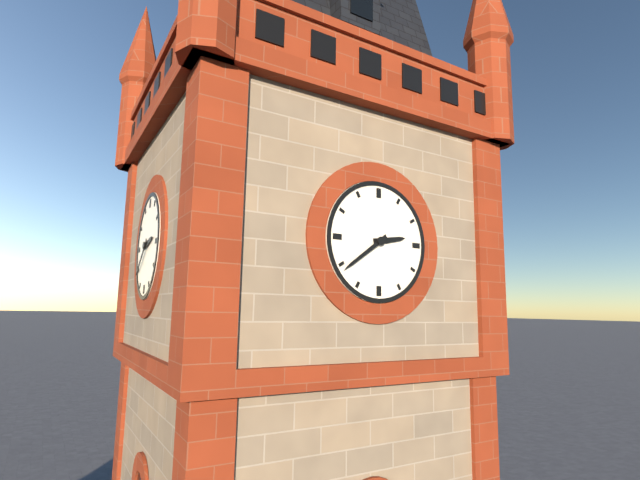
2:39
